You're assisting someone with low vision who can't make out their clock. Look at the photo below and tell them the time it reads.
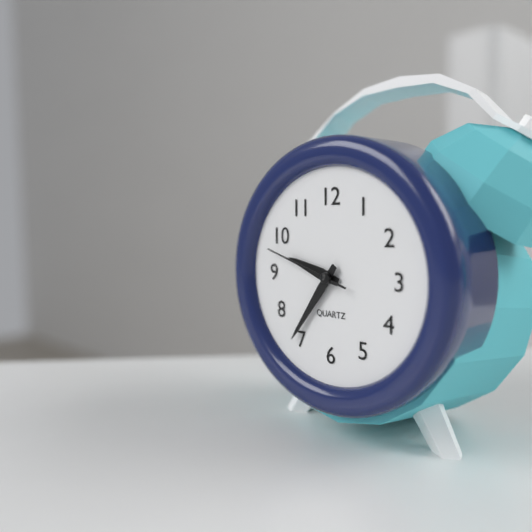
9:36:48
